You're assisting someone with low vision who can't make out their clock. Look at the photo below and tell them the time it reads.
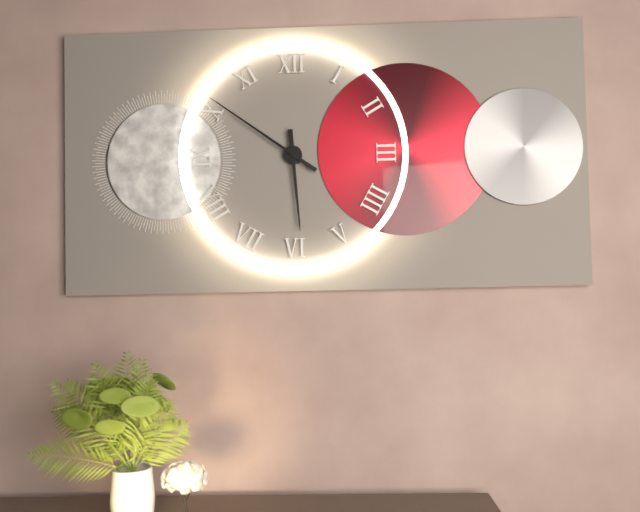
5:51
